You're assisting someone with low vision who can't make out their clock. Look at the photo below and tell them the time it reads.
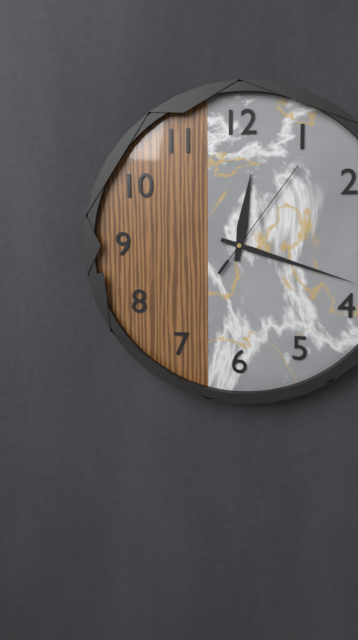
12:18:06
